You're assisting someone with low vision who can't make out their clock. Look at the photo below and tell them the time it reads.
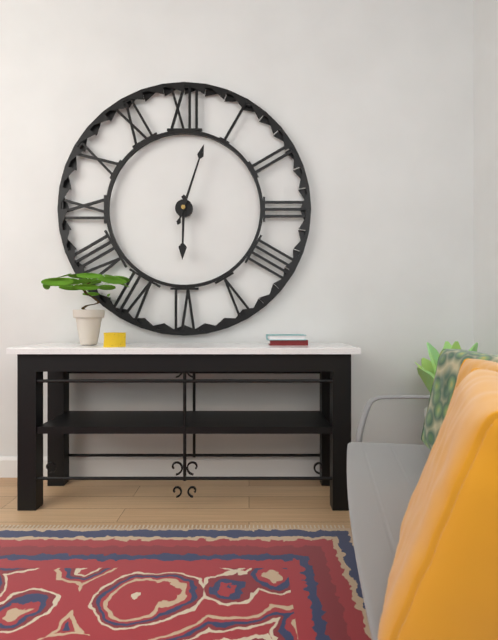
6:03
